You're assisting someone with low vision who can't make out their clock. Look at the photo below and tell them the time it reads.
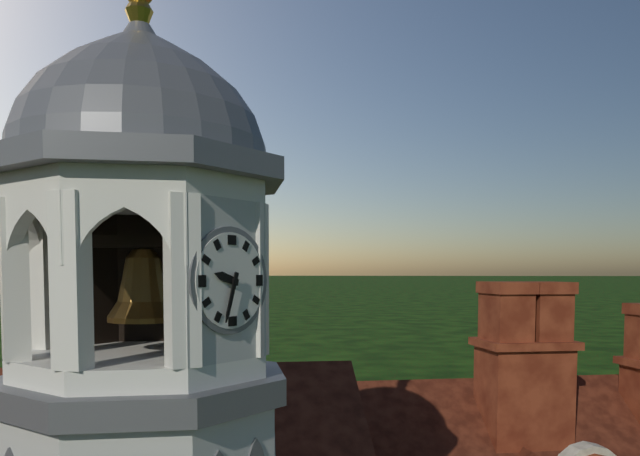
9:33
